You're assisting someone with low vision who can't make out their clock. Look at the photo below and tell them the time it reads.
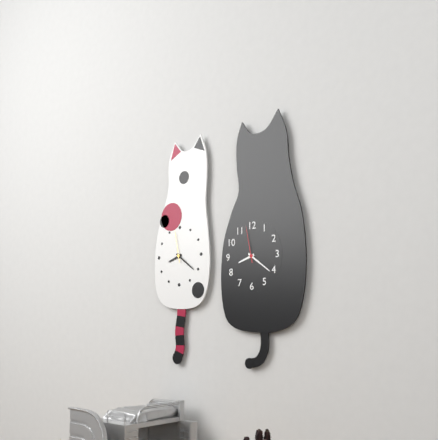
8:21
